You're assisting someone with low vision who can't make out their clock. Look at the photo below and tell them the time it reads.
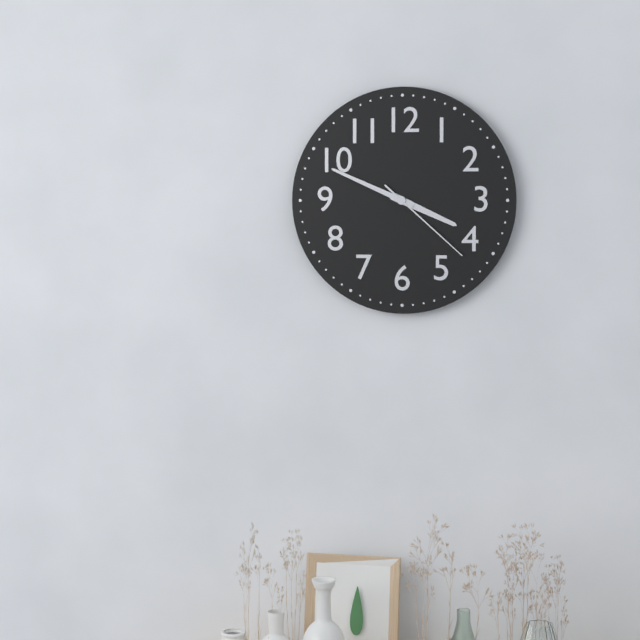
3:49:22
